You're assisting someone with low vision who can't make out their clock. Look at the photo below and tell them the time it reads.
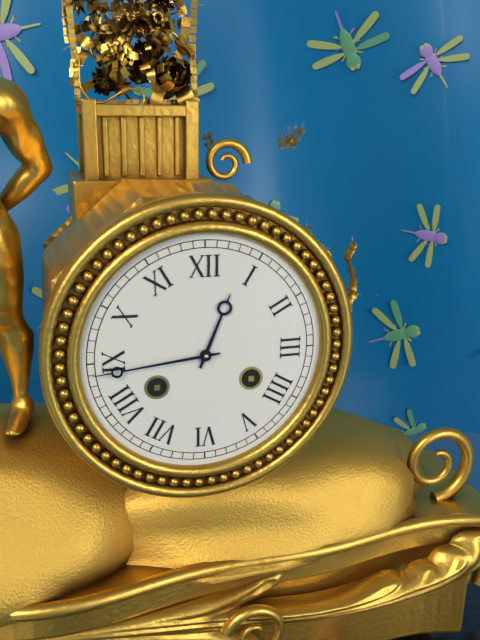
12:44
